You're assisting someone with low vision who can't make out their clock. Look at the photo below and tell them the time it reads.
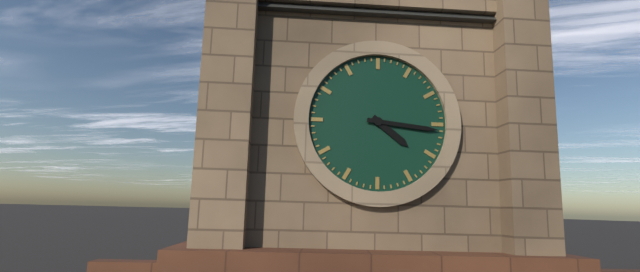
4:16
